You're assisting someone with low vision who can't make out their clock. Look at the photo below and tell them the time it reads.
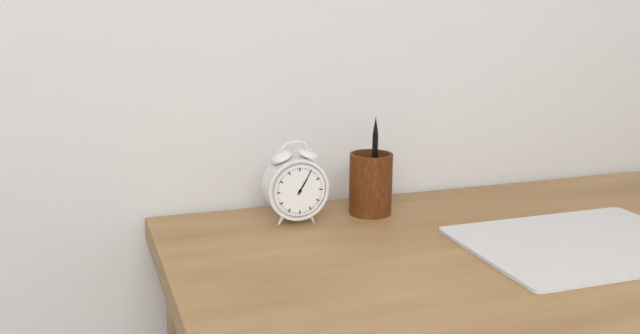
1:05
